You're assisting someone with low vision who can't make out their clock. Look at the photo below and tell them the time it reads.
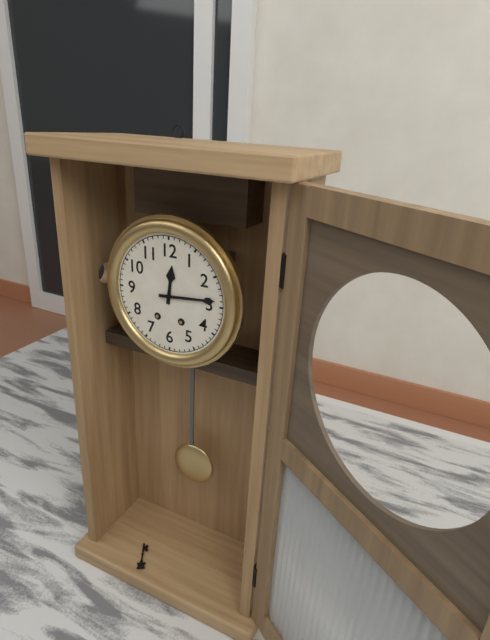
12:14
